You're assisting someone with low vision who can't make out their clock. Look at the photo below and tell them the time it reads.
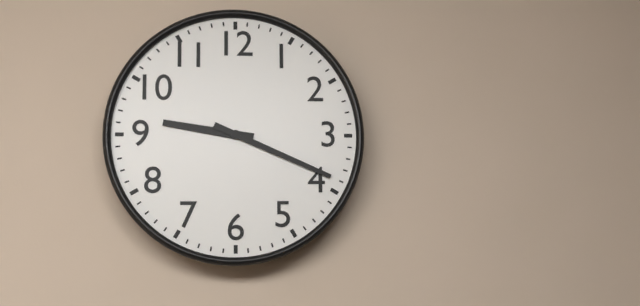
9:19
